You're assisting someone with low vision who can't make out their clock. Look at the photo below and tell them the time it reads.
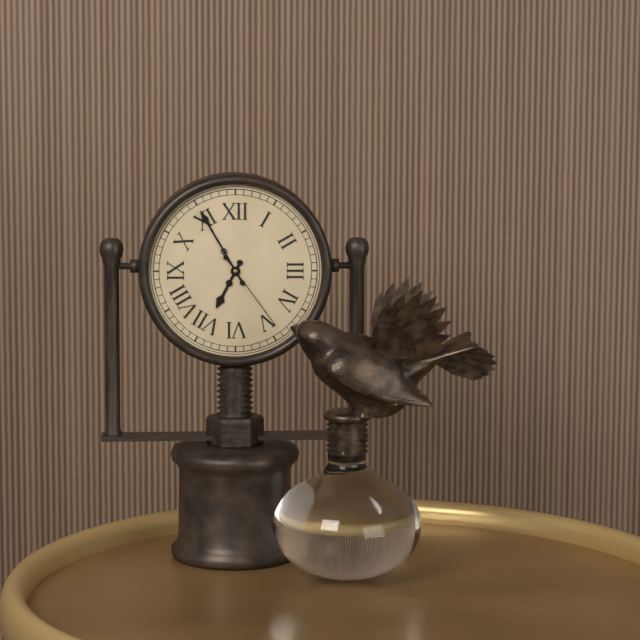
6:55:24
